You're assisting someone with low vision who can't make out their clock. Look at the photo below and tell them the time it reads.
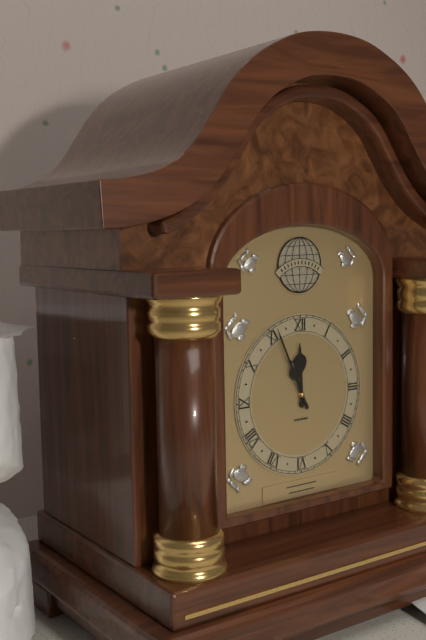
11:56
